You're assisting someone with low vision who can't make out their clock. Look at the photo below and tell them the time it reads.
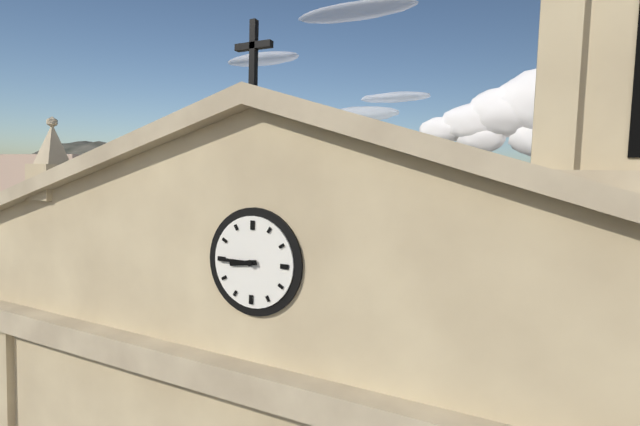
8:45
